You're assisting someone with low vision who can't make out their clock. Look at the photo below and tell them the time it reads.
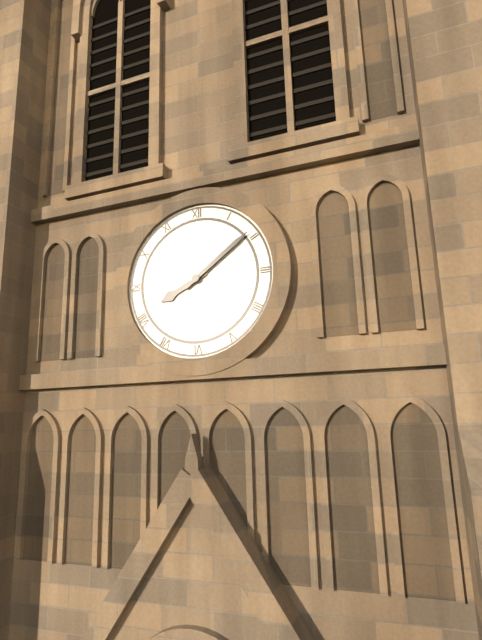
8:09
